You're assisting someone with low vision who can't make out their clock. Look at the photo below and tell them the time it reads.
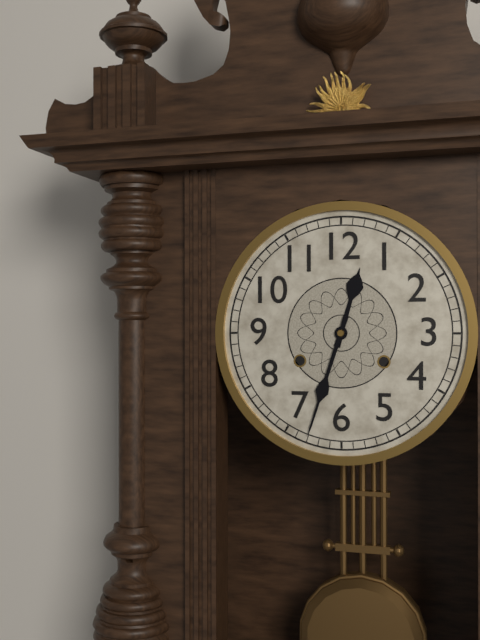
12:33
